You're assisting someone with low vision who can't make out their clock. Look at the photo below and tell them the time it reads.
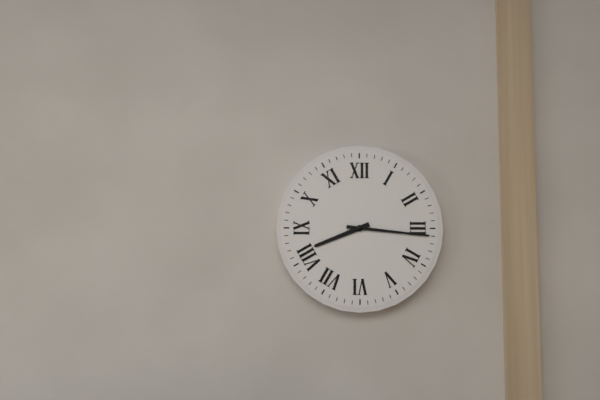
8:16
